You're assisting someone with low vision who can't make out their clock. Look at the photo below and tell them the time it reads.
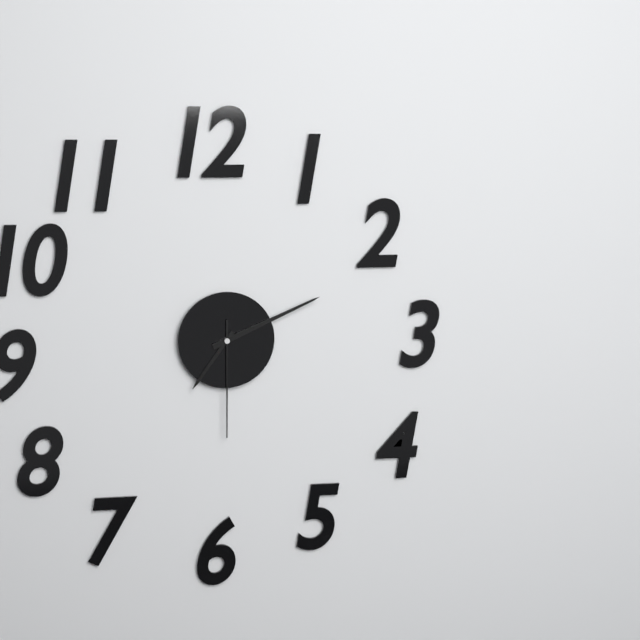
7:11:30
